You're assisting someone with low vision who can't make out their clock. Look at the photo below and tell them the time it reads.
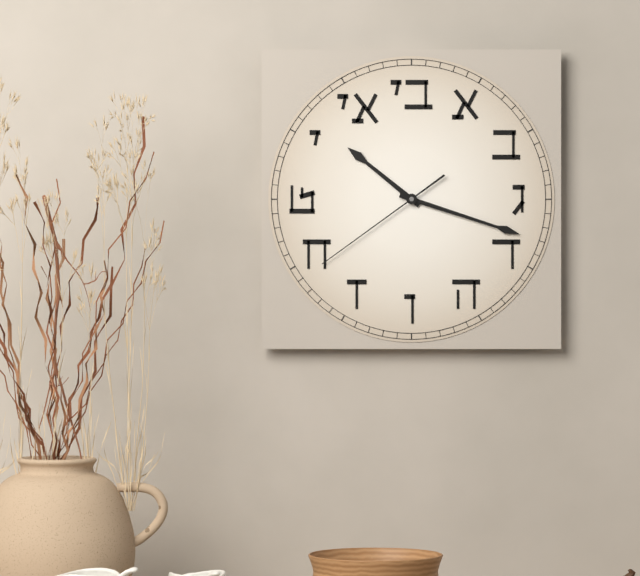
10:18:39
